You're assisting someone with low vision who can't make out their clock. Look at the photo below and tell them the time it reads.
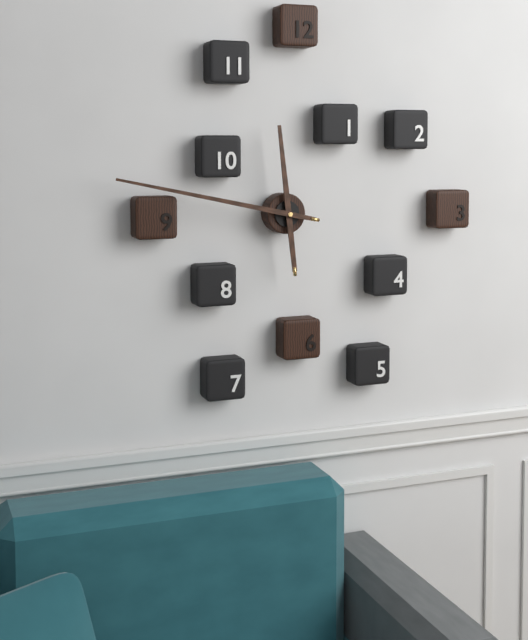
11:47
